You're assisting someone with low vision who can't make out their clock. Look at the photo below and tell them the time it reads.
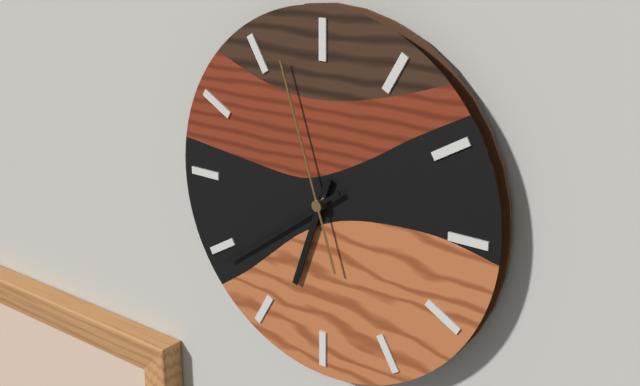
6:39:57
